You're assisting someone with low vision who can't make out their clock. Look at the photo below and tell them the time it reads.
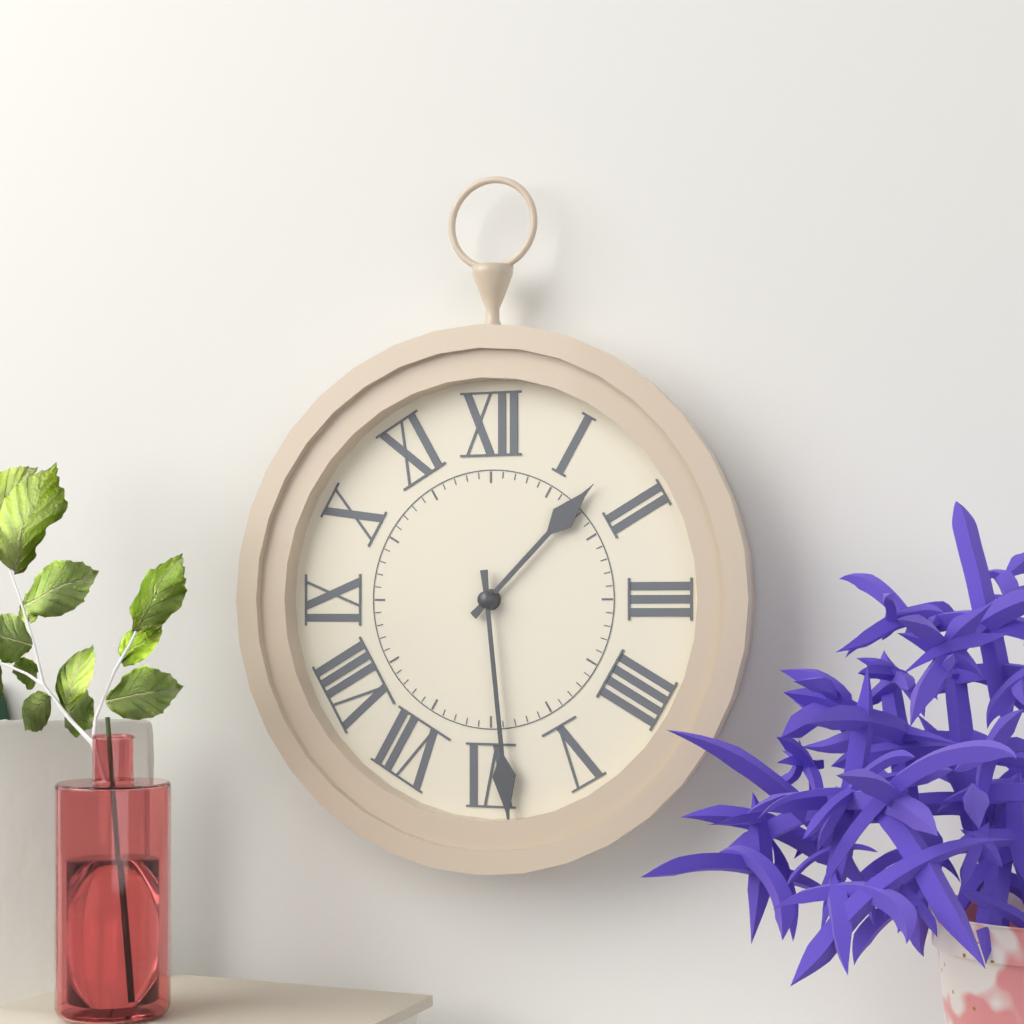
1:29
